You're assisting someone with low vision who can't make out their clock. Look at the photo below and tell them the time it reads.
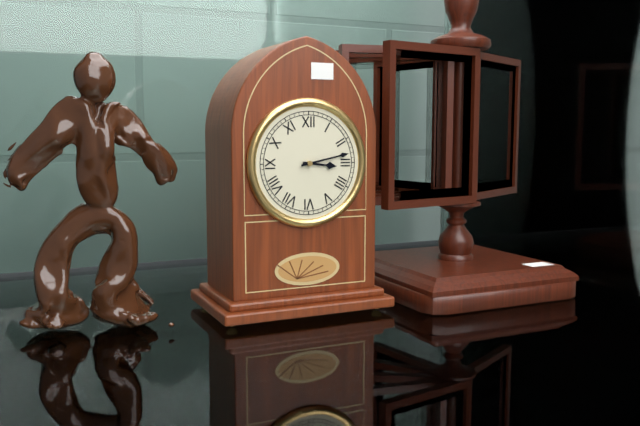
3:13
